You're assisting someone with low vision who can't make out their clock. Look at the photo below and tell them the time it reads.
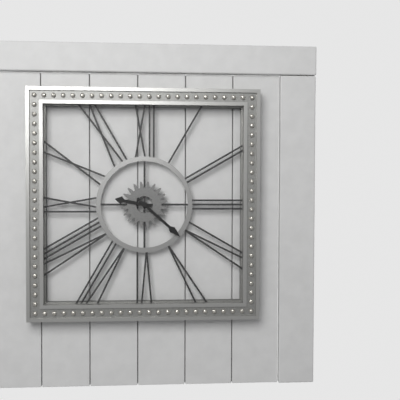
9:22
